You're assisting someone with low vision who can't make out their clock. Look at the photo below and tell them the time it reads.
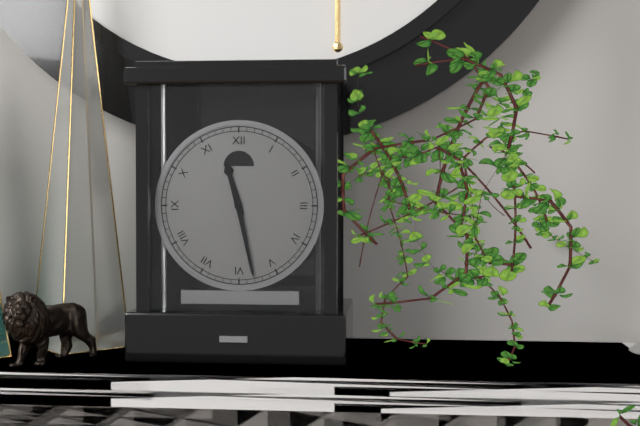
11:28
